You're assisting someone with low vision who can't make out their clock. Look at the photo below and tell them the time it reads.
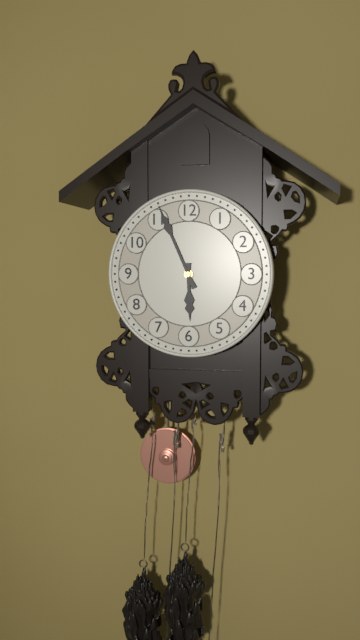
5:56
